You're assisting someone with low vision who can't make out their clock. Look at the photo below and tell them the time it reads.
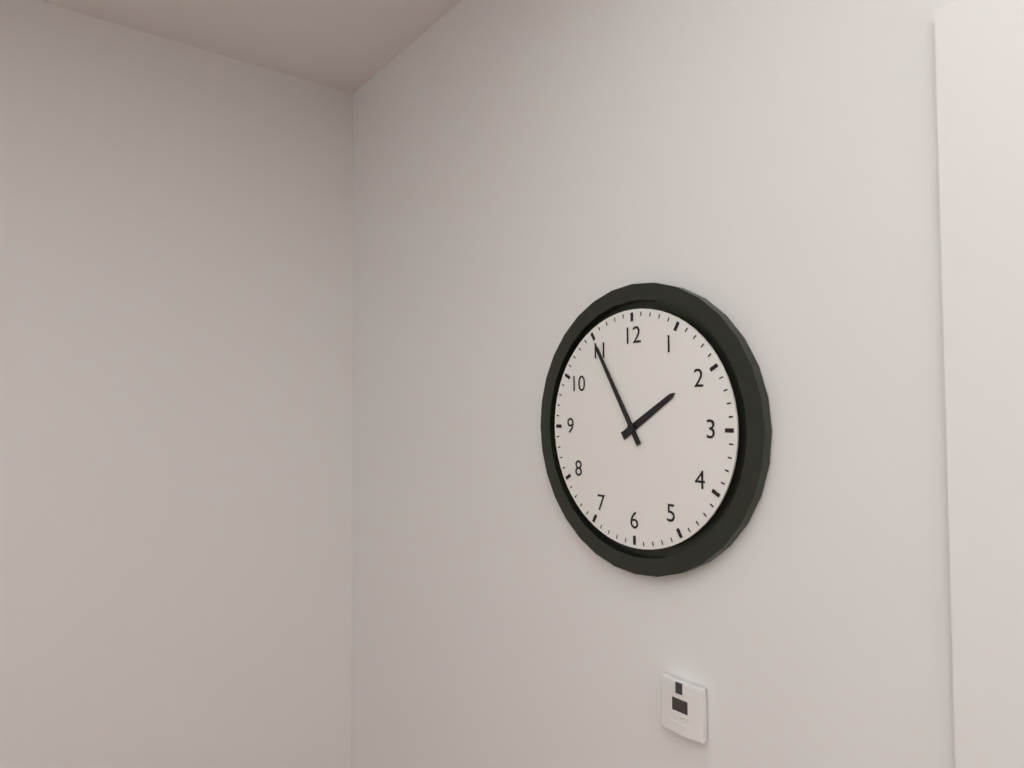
1:55
